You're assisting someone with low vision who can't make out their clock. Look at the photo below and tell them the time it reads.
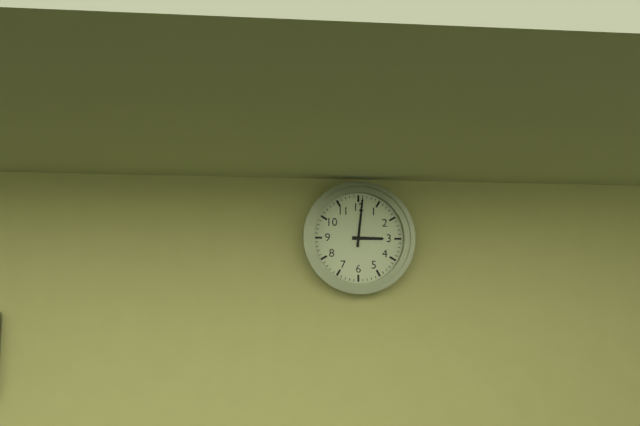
3:01
